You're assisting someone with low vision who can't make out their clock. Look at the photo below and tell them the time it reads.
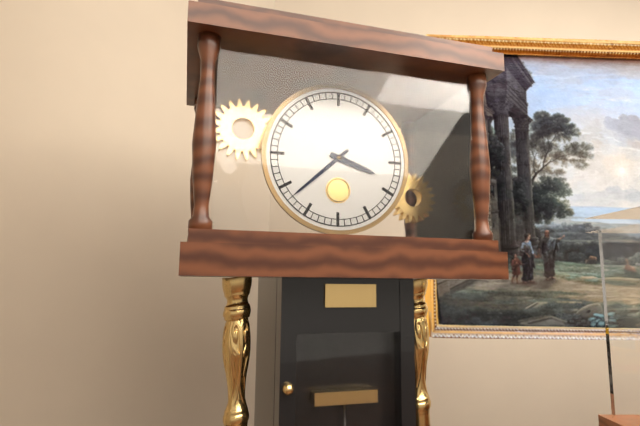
3:38
